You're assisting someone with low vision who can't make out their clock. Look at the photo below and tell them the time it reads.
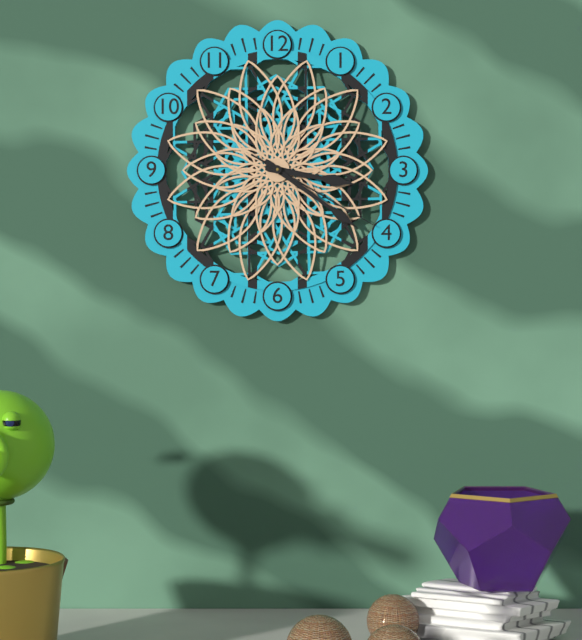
3:21:20
